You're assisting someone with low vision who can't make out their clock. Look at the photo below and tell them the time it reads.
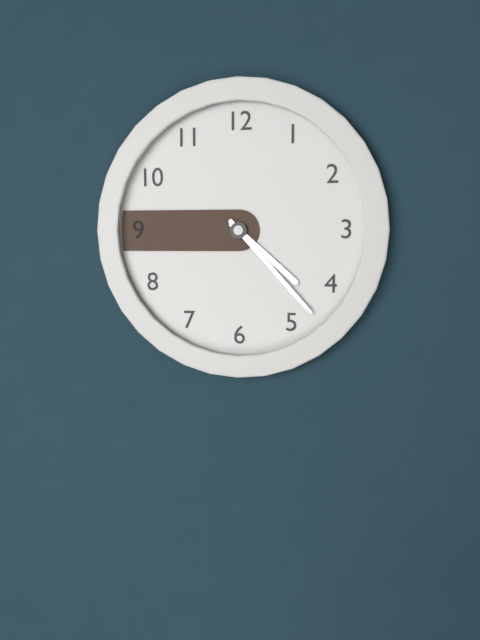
4:23
